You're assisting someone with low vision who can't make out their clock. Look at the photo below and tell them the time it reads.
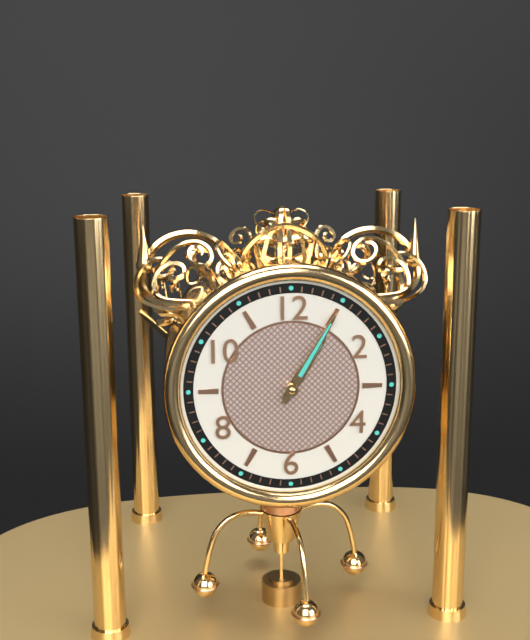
1:05
